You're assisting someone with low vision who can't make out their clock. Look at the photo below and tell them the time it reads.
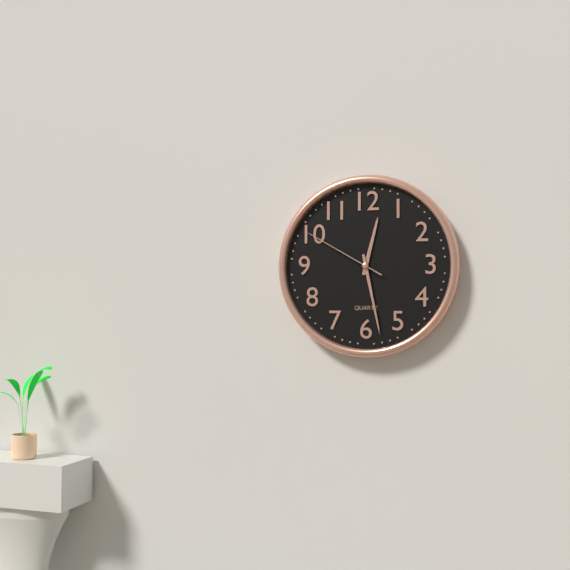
12:28:50
